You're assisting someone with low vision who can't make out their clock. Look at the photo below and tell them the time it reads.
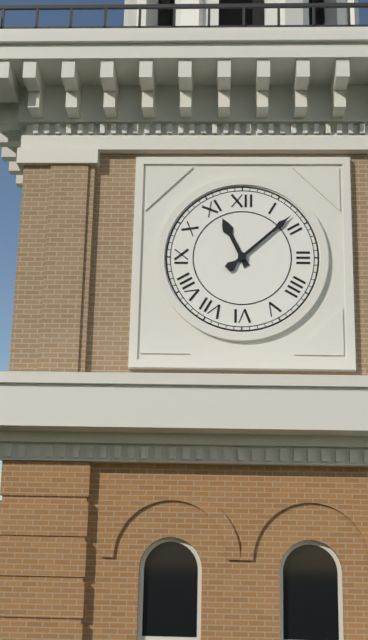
11:08
